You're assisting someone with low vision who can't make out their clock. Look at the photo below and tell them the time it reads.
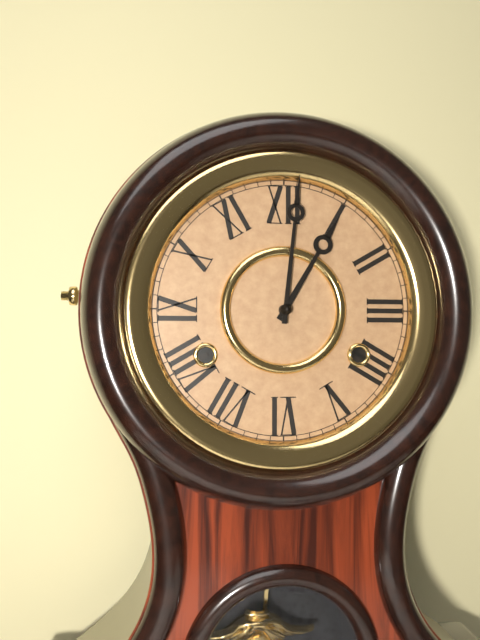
1:01
